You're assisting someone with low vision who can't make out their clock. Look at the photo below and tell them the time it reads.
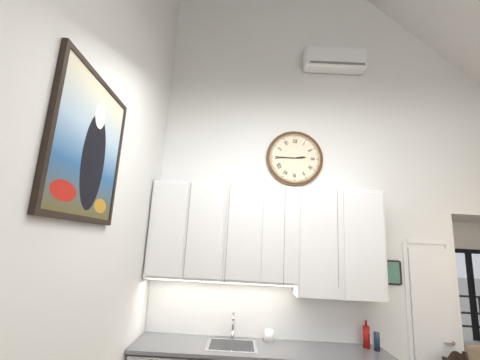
2:45
